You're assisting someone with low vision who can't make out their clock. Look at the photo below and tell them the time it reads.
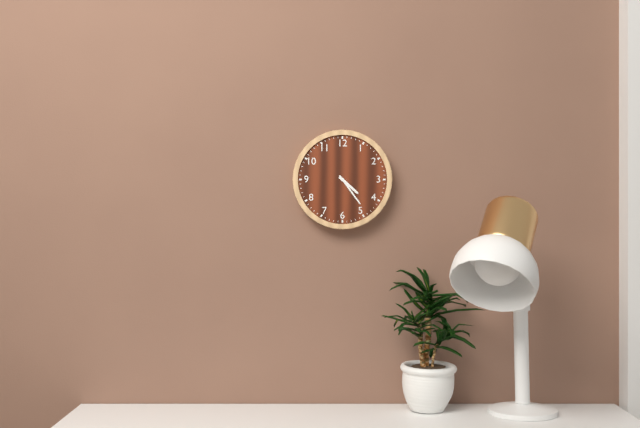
4:24
